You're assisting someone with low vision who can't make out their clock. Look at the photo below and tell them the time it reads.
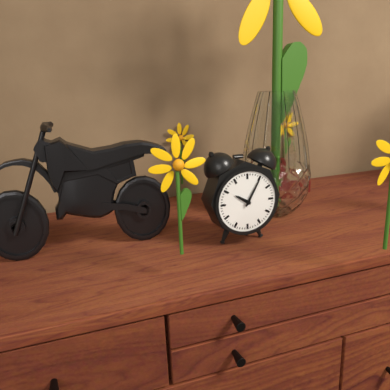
10:05
